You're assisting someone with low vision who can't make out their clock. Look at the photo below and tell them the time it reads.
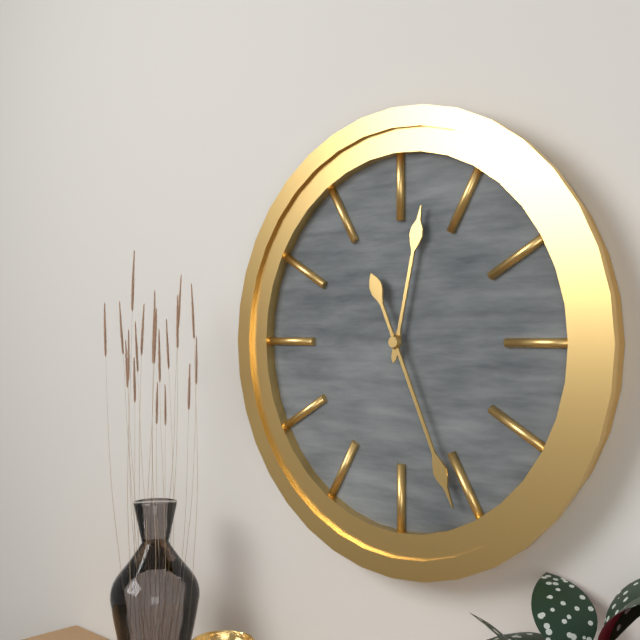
12:26
